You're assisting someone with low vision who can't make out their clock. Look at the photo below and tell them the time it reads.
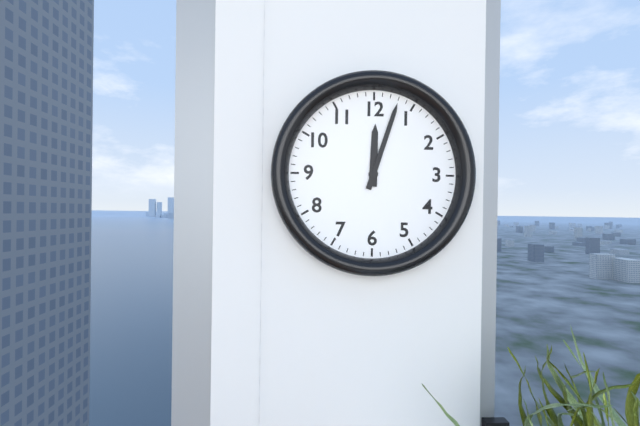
12:03
